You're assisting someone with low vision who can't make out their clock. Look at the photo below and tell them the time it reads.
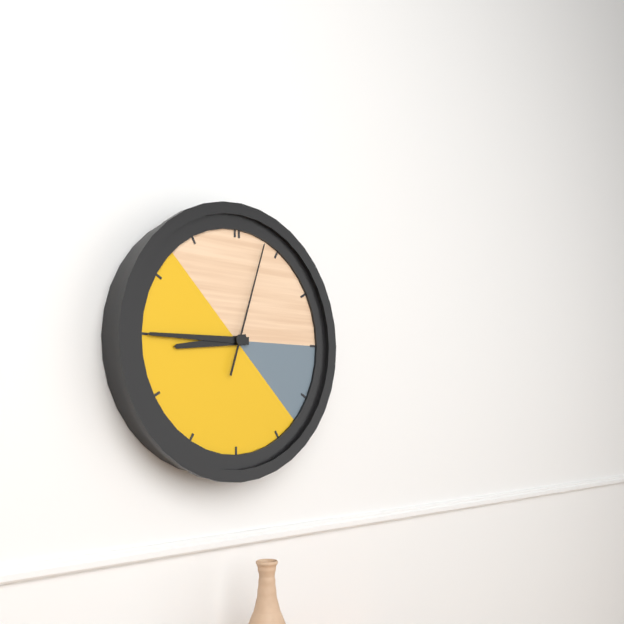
8:45:03
